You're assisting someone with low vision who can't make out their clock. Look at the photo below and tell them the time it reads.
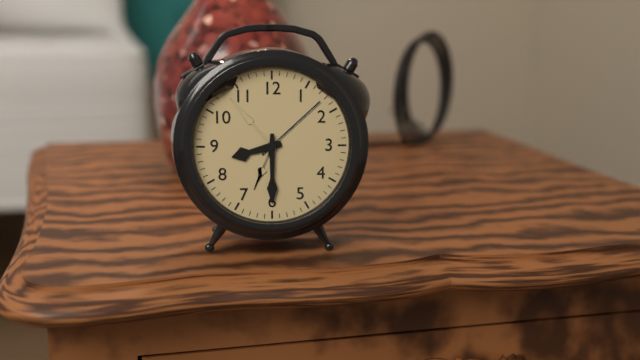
8:30
